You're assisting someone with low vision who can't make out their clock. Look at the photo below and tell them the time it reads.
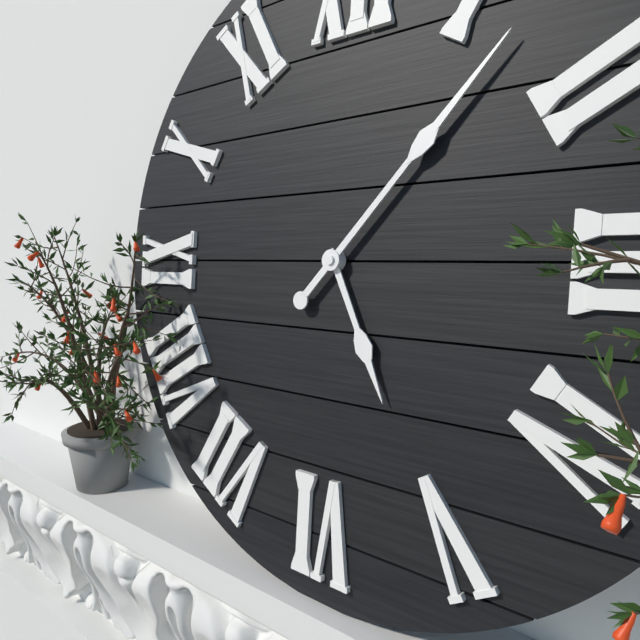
5:07
